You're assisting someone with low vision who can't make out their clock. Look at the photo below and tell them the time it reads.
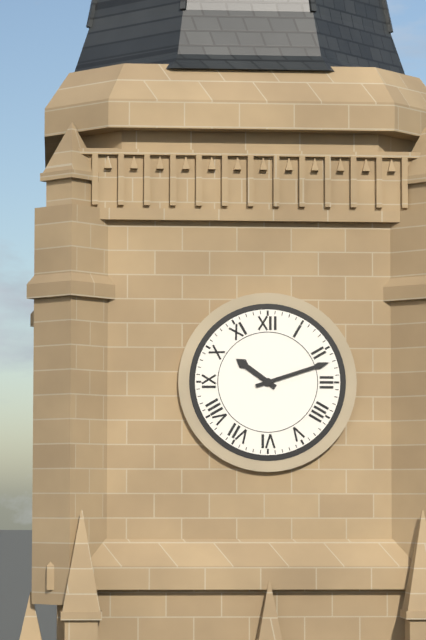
10:12
